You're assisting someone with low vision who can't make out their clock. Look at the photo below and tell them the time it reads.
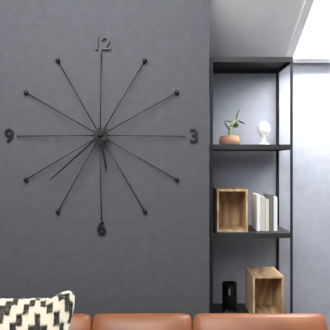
5:38
